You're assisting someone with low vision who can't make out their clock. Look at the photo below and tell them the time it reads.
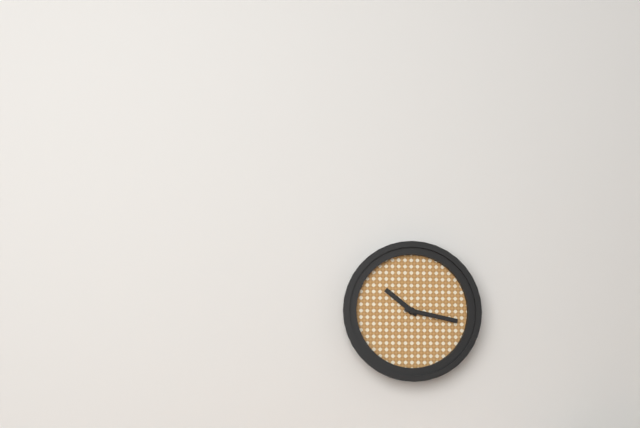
10:17
